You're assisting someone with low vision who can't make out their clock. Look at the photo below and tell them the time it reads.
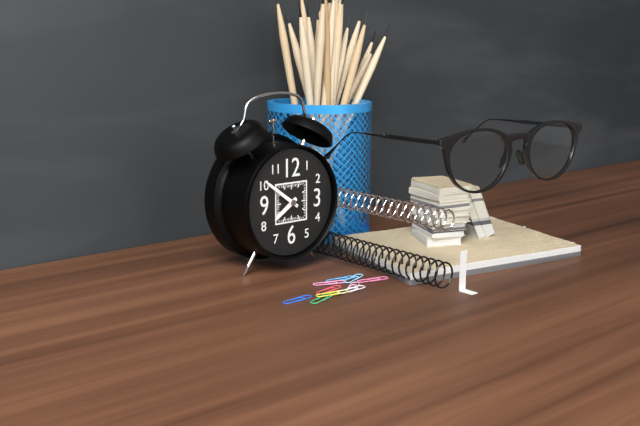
7:51
